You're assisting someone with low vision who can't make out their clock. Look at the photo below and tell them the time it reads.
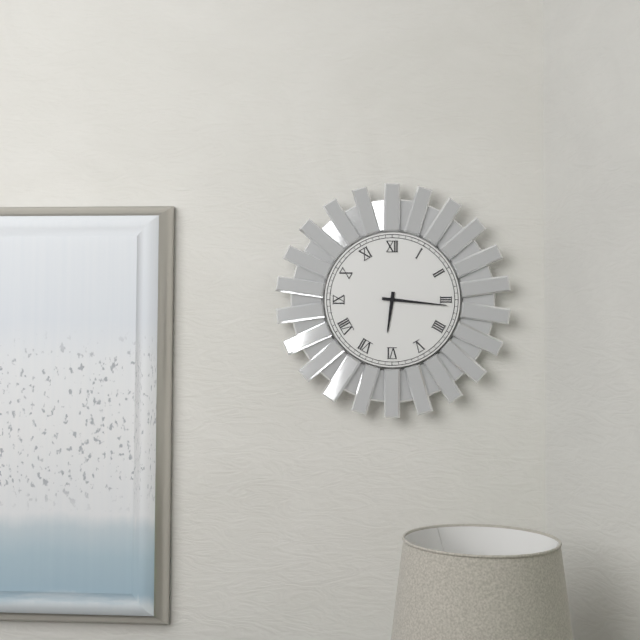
6:16
